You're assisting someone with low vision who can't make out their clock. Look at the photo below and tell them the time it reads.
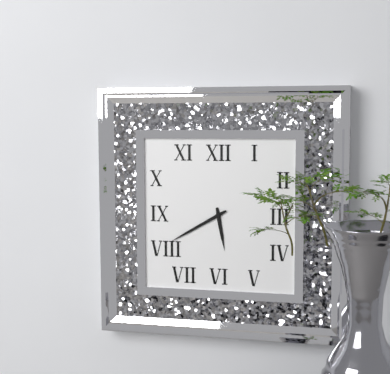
5:40
